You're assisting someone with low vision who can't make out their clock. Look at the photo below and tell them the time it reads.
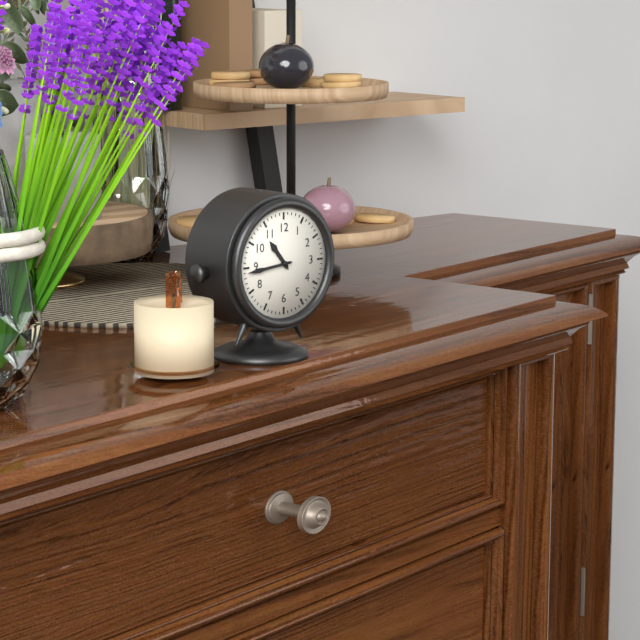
10:44
